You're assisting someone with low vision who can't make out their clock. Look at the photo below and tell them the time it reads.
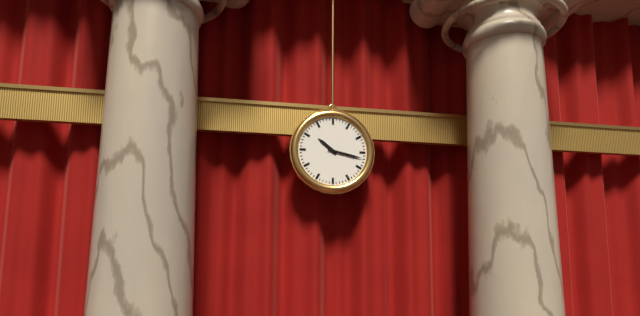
10:17
